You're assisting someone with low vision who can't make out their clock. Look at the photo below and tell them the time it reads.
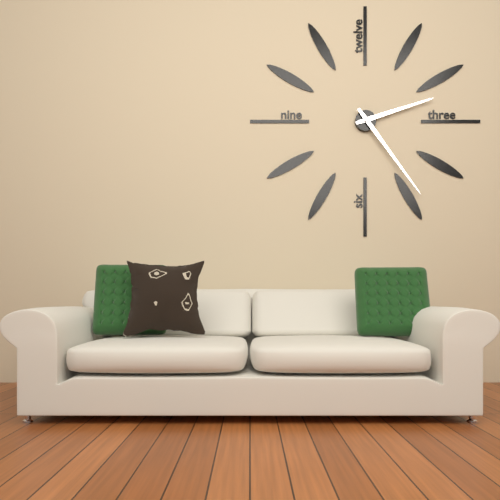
2:24
